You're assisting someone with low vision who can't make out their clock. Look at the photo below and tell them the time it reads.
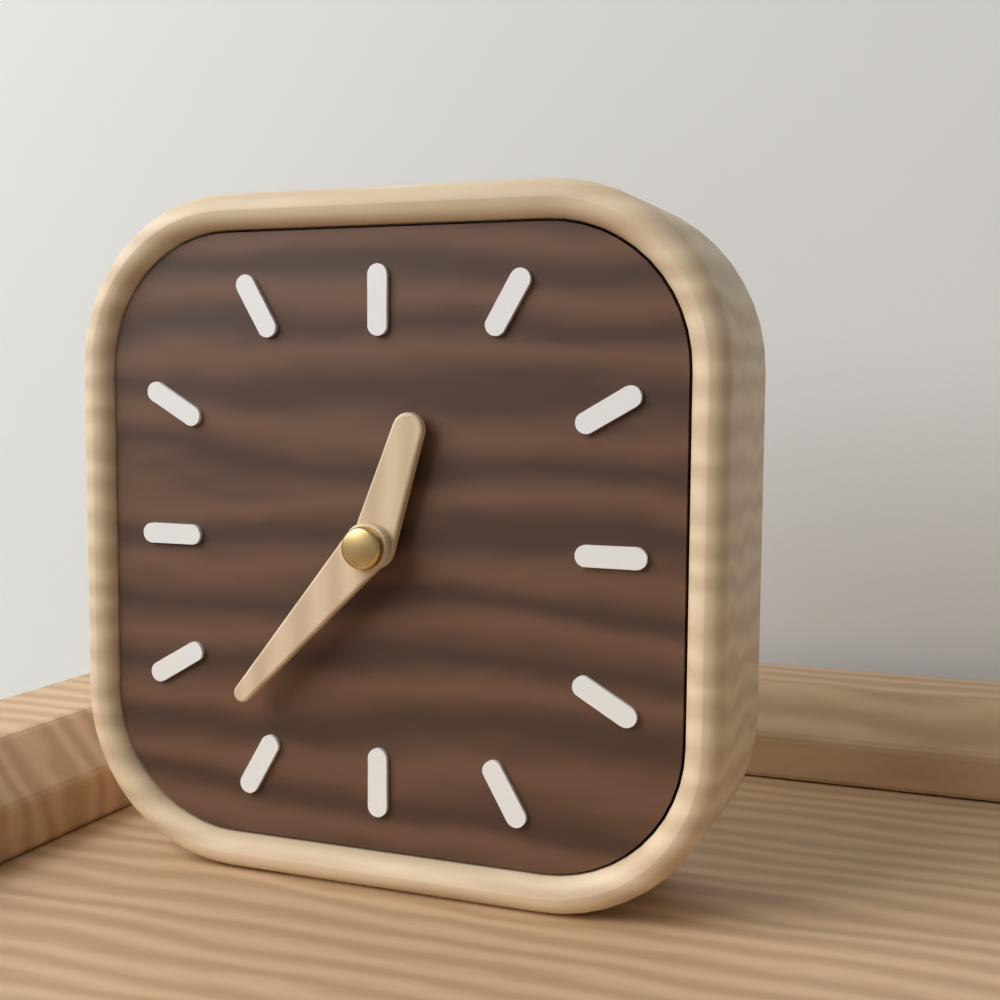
12:37
